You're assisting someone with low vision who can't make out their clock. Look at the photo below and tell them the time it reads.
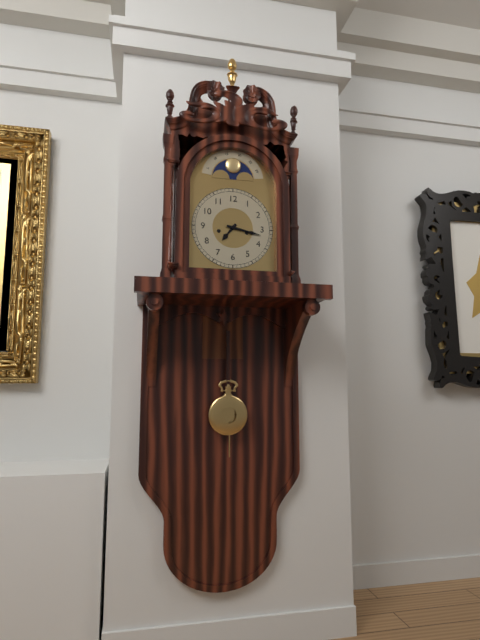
7:17
